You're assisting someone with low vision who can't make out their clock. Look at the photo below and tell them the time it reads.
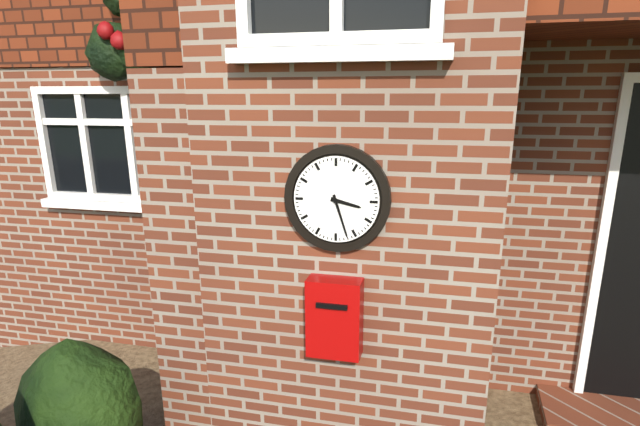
3:27
